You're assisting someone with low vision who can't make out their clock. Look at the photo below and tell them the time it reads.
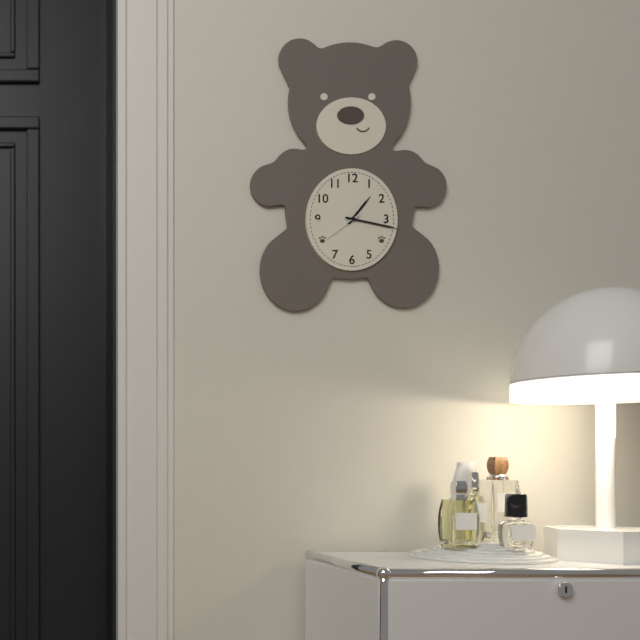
1:17
